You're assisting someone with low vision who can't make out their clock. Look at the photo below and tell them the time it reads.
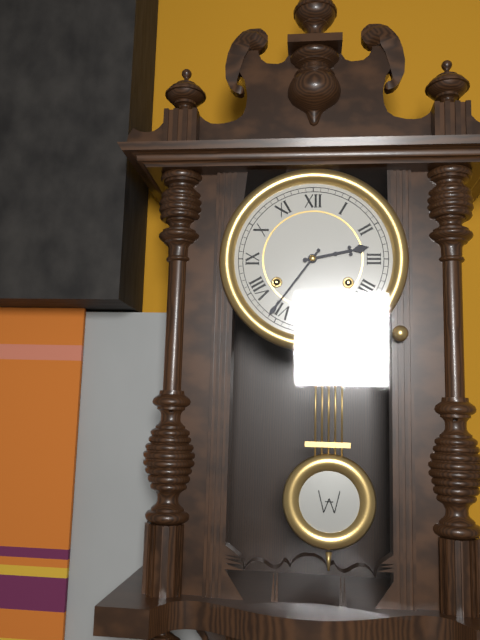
2:36
